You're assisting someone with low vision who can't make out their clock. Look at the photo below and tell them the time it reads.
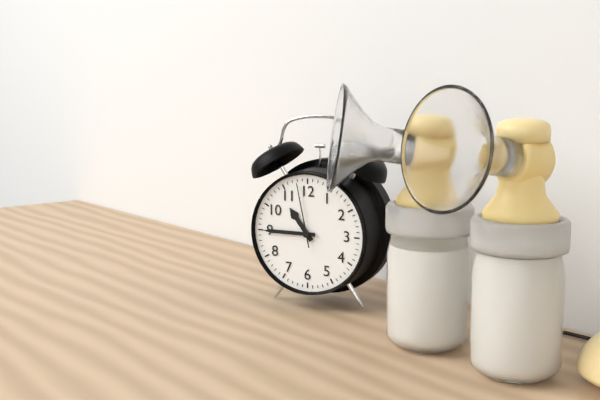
10:45:58
